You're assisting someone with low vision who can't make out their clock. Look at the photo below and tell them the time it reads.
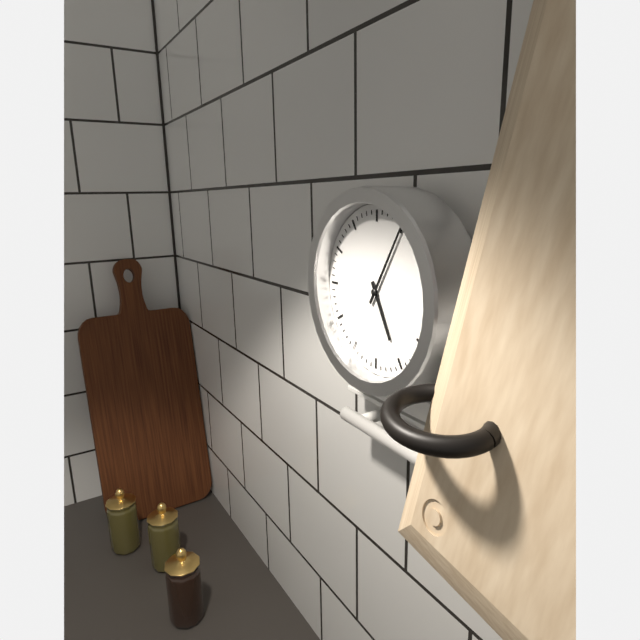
5:05
